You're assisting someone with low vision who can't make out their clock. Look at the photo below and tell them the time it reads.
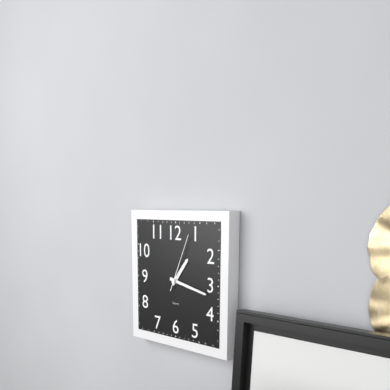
1:17:04
